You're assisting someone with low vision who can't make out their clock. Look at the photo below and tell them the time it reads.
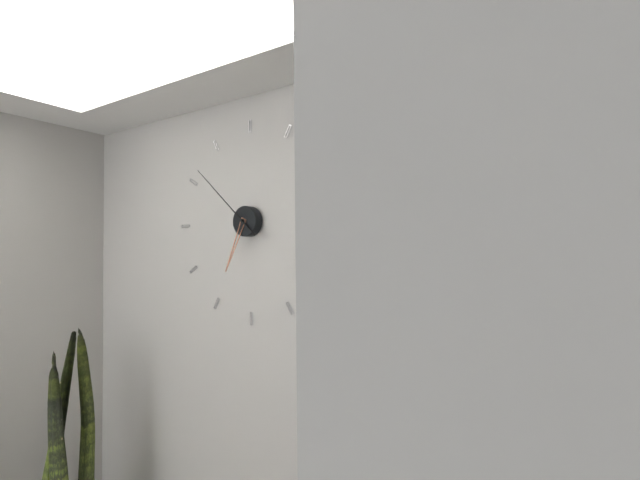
6:52
